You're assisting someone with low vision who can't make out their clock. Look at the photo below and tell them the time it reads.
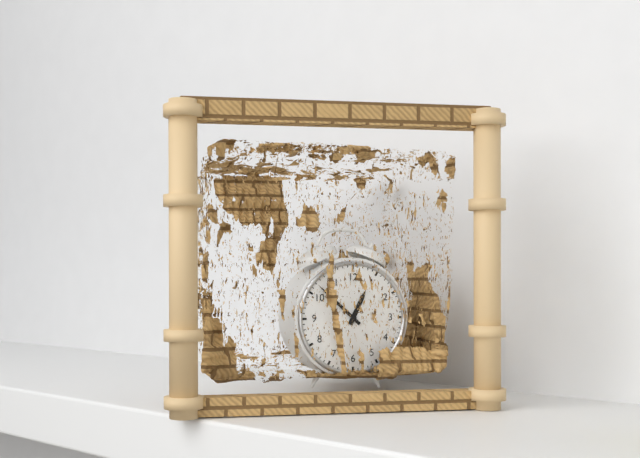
12:52
